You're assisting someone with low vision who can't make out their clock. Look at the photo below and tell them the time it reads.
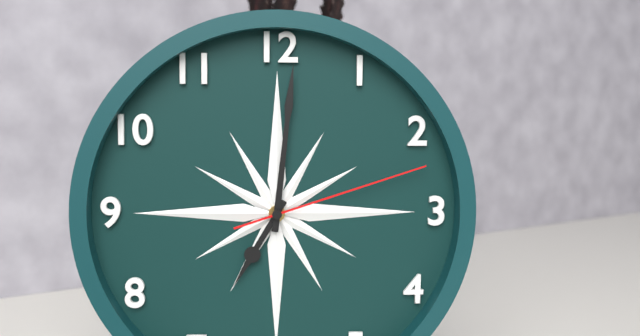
7:01:12
